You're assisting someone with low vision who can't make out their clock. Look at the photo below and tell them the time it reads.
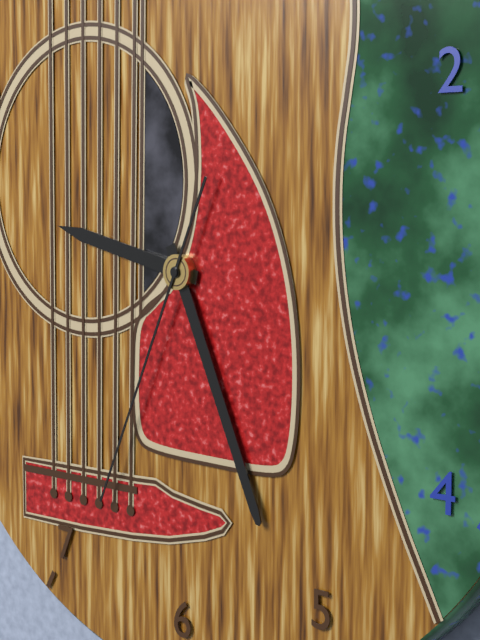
9:26:34
